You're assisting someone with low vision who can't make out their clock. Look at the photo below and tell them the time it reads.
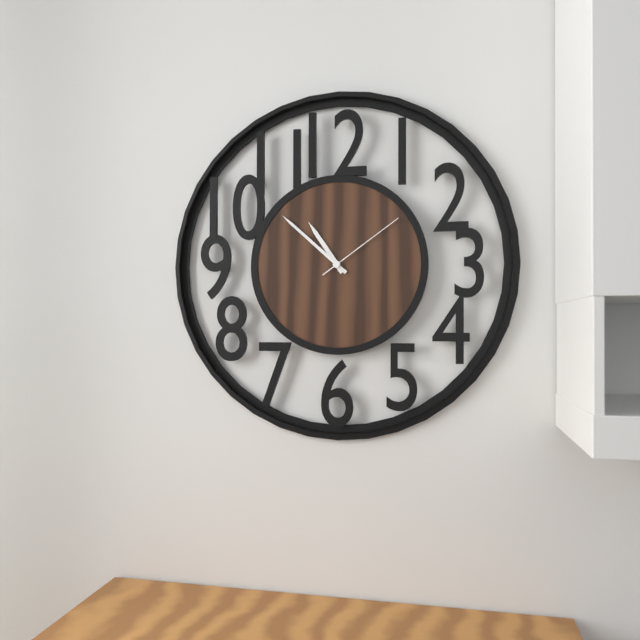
10:52:09
